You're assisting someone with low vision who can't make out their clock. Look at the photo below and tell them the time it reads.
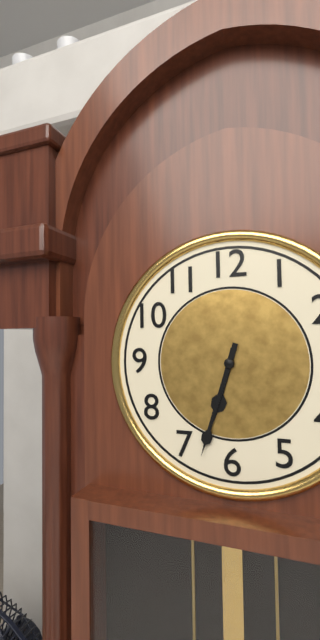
6:33
